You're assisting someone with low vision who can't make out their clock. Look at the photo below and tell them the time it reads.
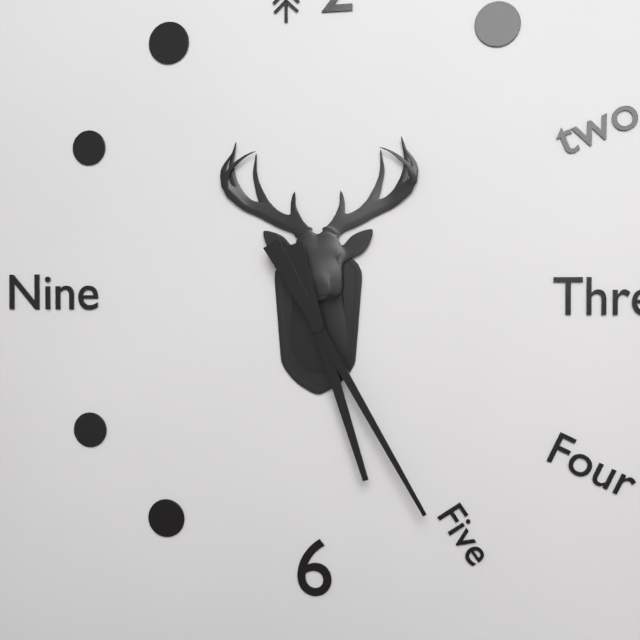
5:25
